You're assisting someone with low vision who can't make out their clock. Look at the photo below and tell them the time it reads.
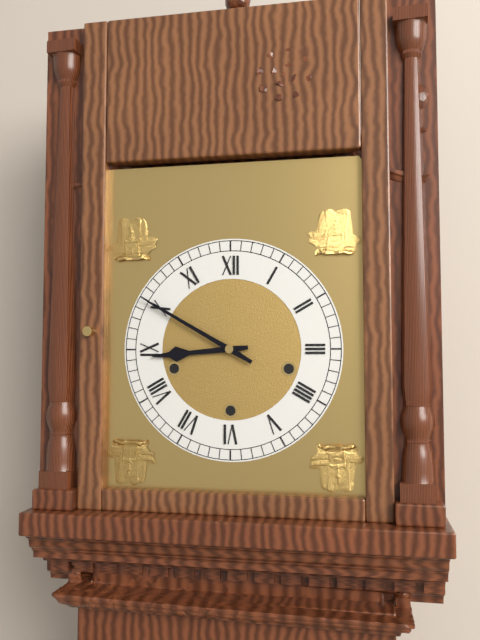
8:50
